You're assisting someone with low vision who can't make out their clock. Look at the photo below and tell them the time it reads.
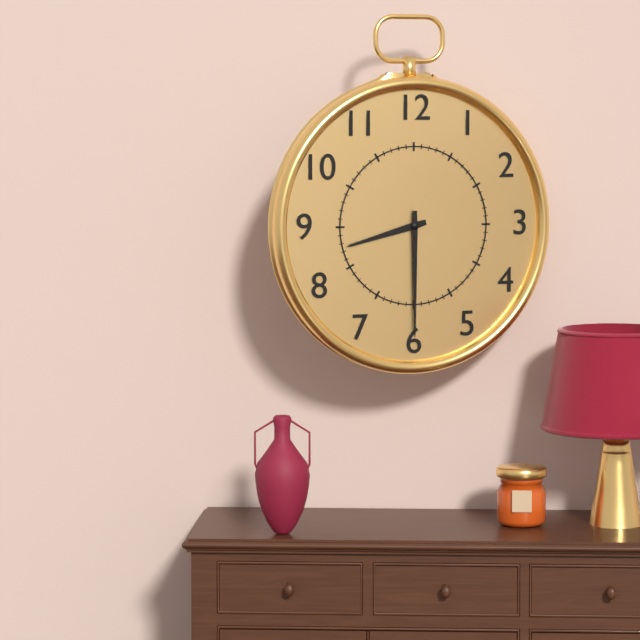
8:30
